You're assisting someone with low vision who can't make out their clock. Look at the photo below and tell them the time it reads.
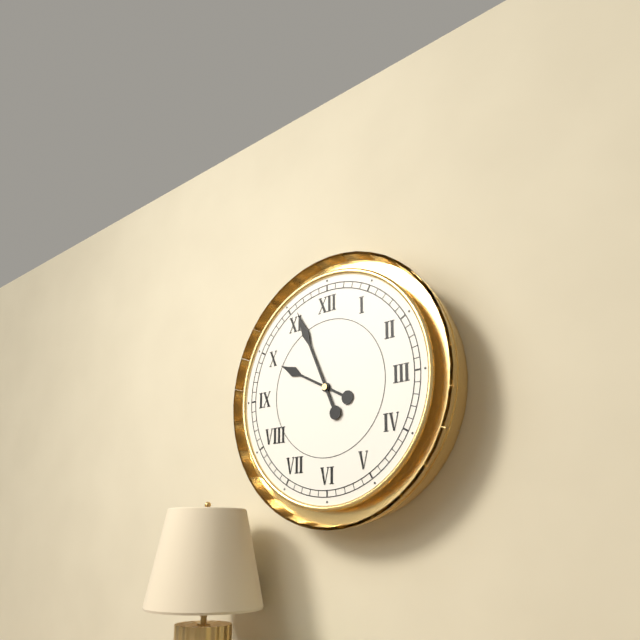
9:56
